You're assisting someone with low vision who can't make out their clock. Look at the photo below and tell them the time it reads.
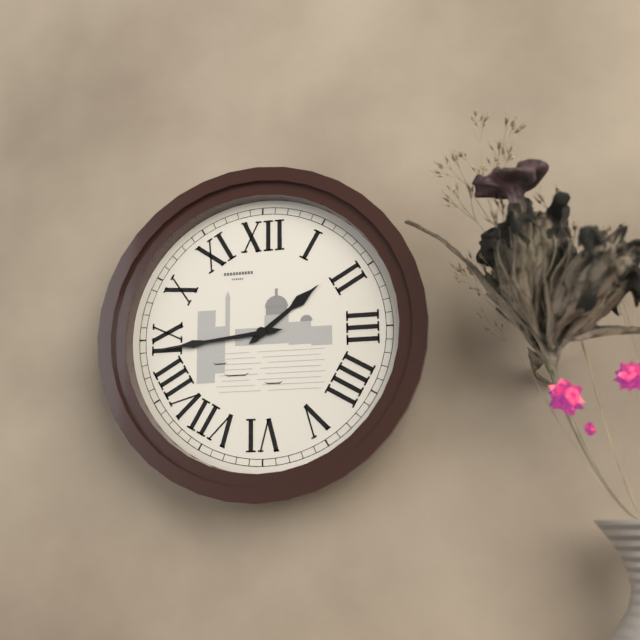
1:44
